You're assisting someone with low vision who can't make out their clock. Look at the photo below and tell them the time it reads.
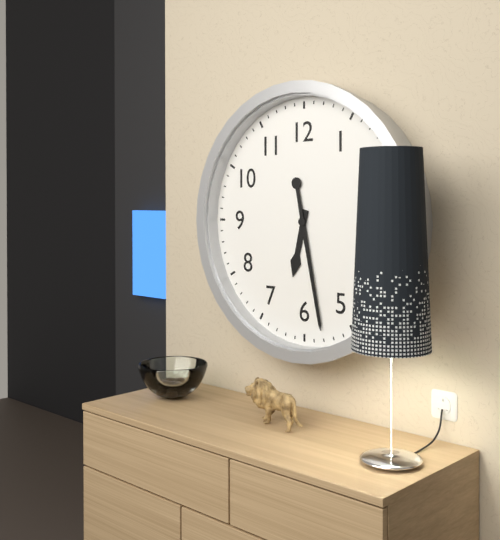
6:28
